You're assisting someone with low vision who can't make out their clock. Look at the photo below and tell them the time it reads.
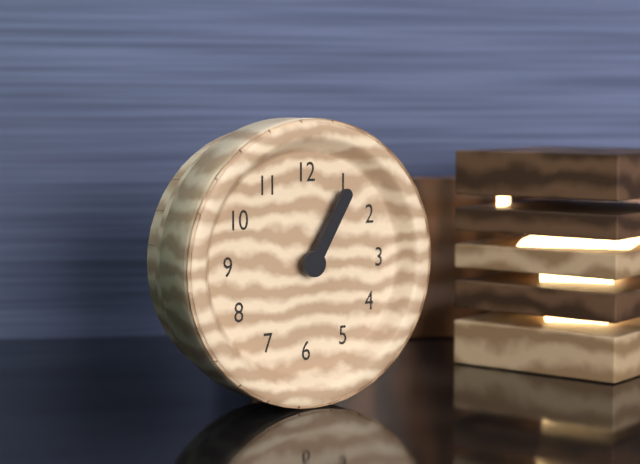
1:05
